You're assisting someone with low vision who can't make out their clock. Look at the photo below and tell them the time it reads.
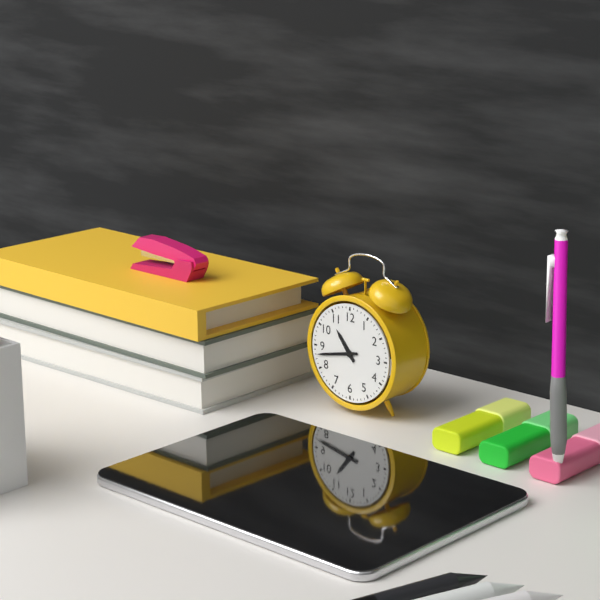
10:43
